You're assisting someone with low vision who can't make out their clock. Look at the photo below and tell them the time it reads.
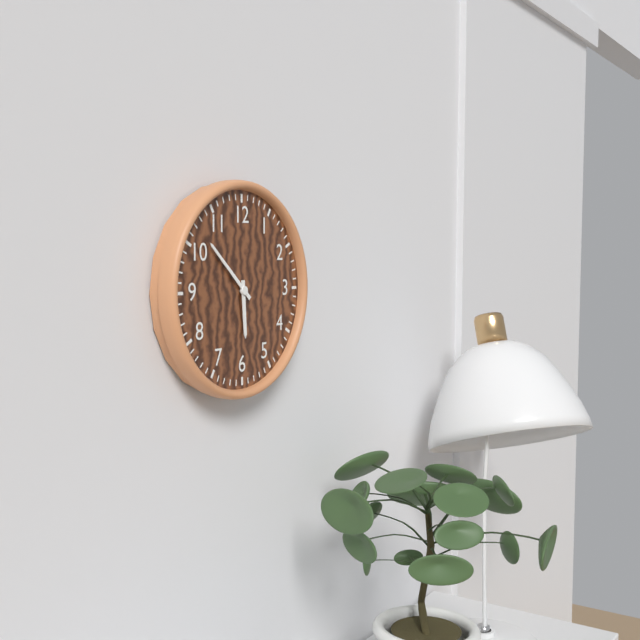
5:52
